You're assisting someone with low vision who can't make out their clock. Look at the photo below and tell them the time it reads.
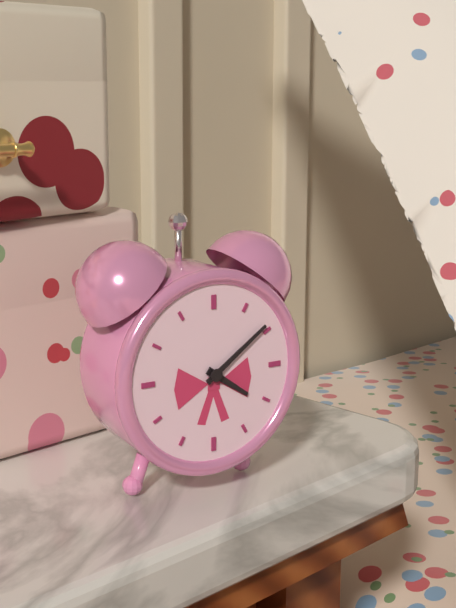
4:09
